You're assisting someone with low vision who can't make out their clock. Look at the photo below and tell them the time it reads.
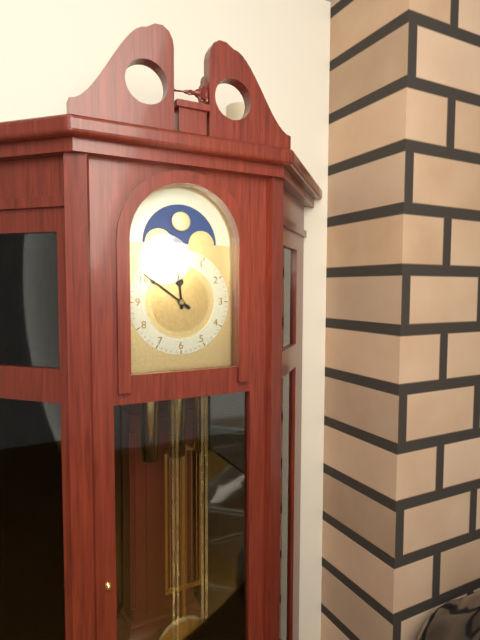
11:51
